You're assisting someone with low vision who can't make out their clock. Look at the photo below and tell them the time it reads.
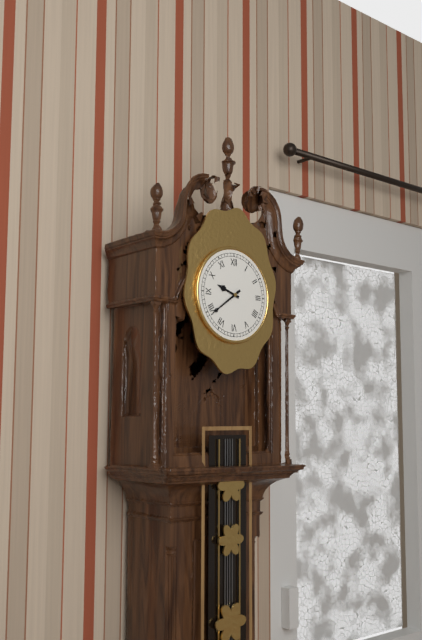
9:39
